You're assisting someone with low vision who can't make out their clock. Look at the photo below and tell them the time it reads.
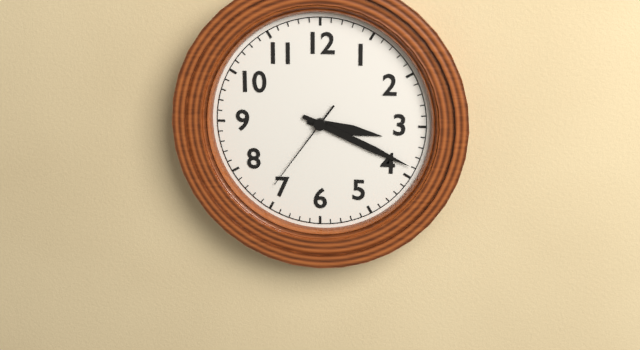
3:19:36
